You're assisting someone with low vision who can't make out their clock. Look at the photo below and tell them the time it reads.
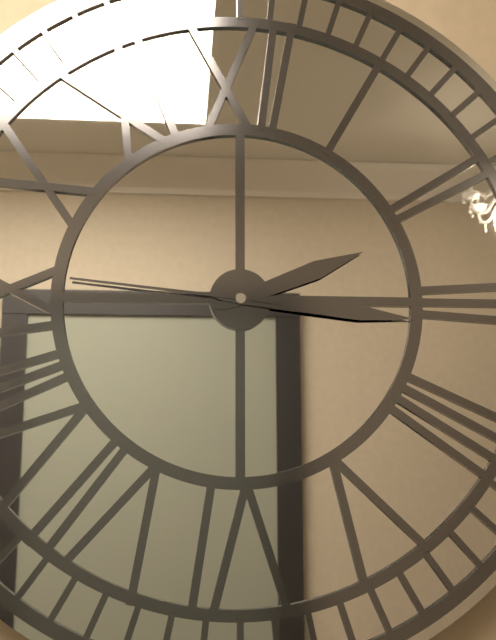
2:16:46
